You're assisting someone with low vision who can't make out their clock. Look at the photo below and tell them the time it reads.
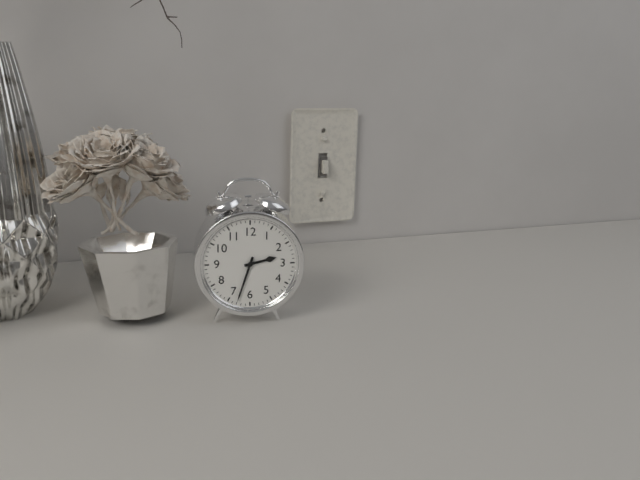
2:33
